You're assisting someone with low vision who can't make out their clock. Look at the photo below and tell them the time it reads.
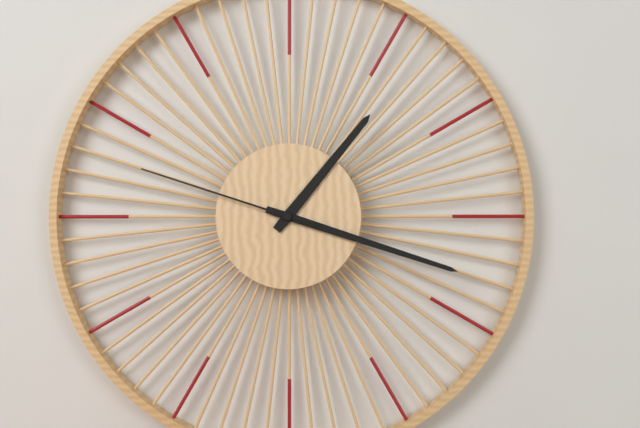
1:18:48
